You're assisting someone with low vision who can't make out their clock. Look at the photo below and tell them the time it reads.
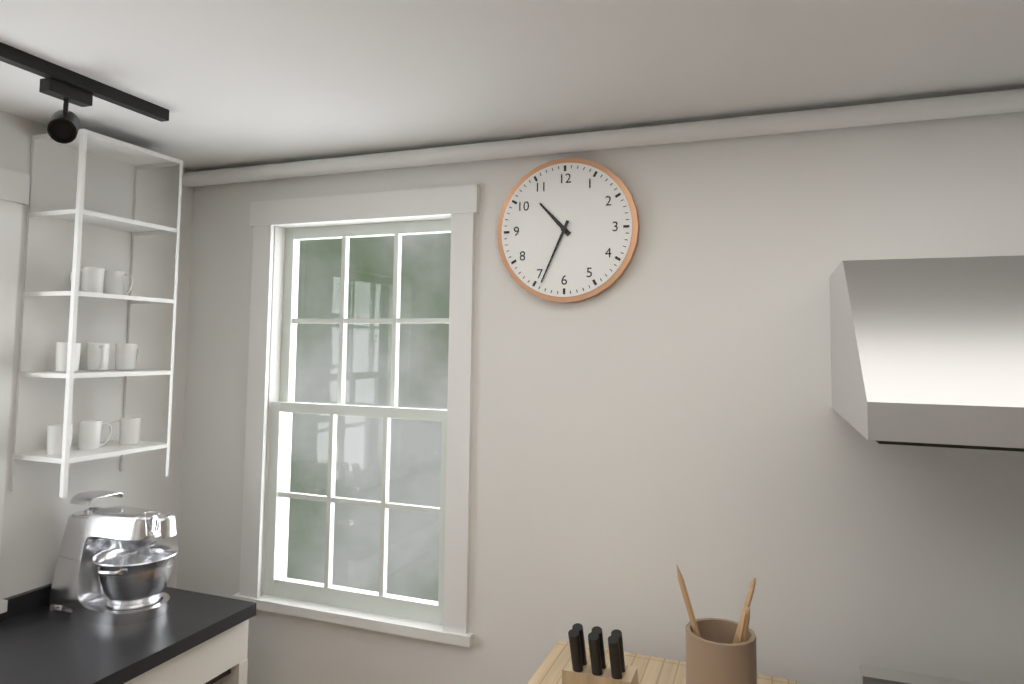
10:34
